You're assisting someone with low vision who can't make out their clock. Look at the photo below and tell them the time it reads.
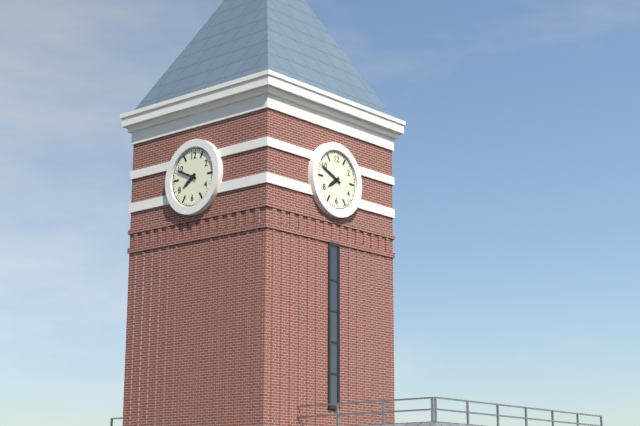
7:49
